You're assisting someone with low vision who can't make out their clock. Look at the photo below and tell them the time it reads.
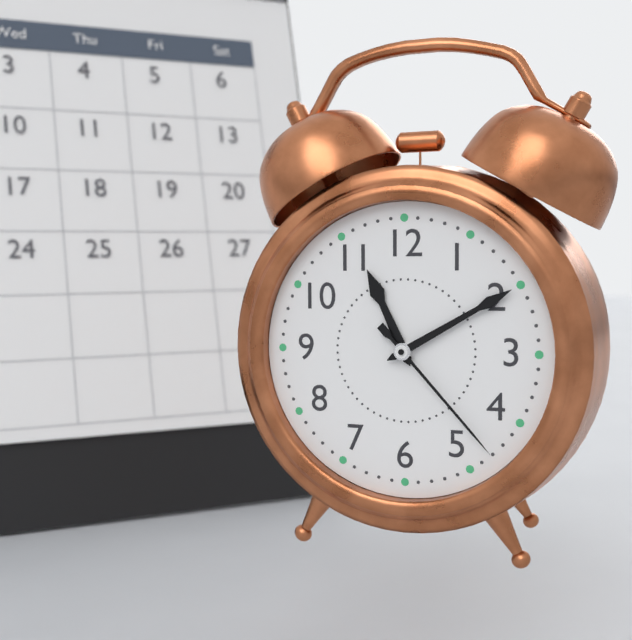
11:10:23
